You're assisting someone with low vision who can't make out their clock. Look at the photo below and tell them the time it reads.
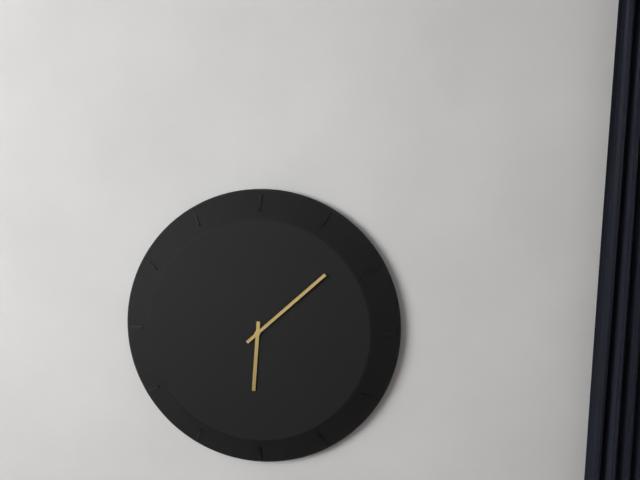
6:08
